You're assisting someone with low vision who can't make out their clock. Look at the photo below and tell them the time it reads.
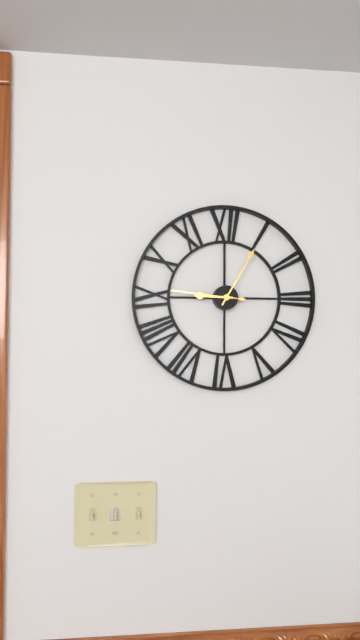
9:05:46
